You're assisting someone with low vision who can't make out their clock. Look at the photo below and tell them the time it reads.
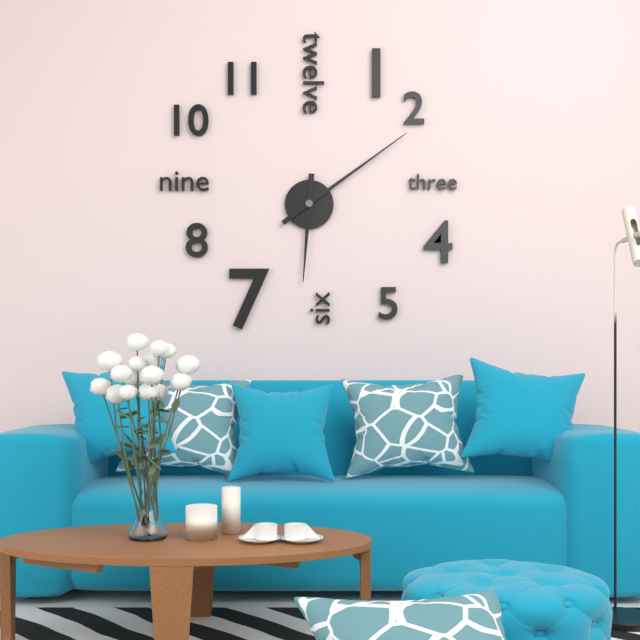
6:09
